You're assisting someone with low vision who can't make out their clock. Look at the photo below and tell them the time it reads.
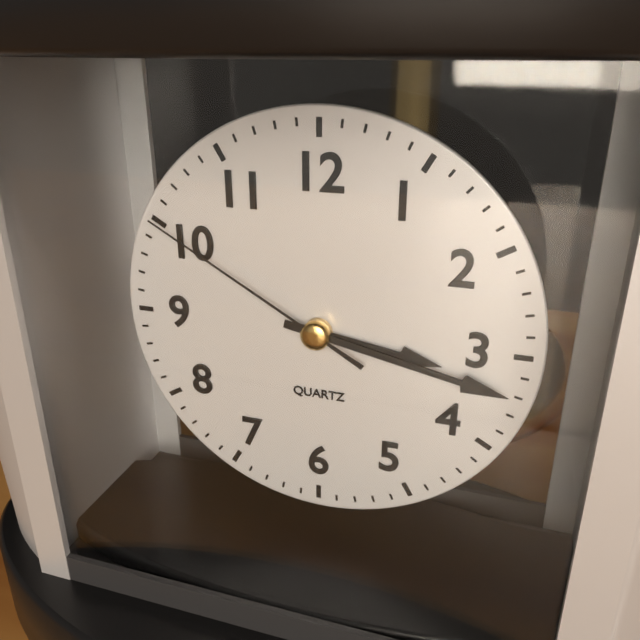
3:17:50
